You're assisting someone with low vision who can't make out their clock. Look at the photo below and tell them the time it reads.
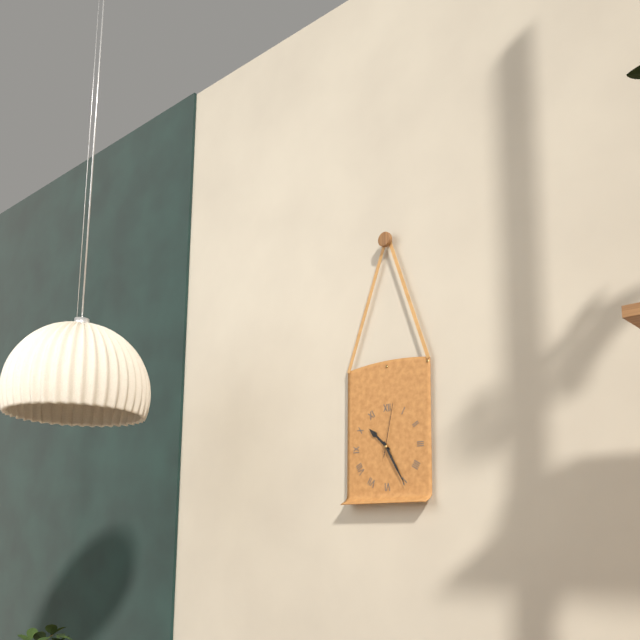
10:25:02
